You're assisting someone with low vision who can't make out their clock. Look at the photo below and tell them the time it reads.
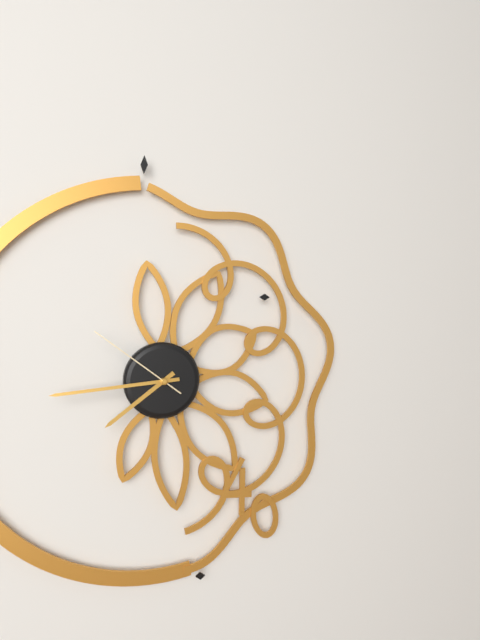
7:44:51
